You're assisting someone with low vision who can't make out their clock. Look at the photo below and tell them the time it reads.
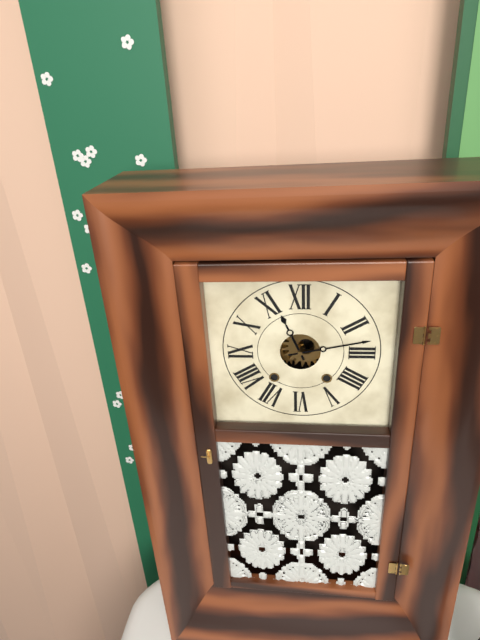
11:13
